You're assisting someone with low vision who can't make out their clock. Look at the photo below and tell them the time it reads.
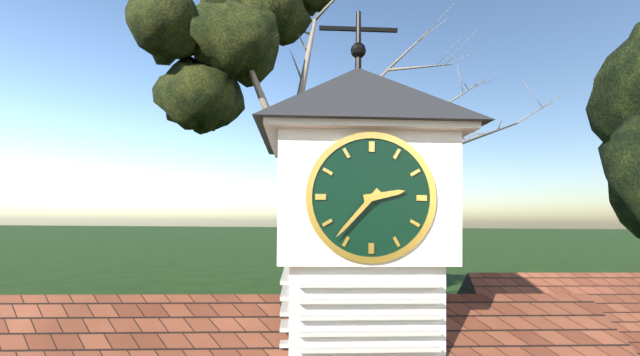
2:37
